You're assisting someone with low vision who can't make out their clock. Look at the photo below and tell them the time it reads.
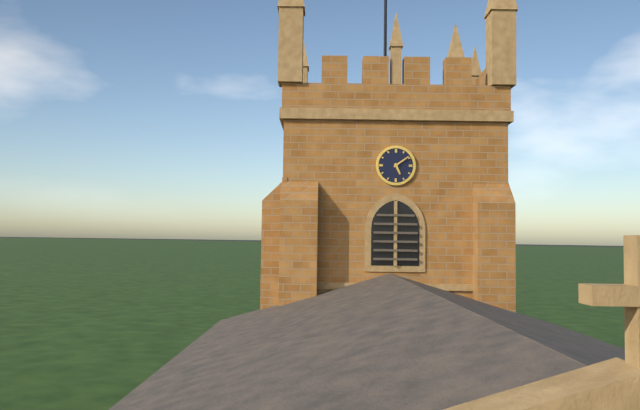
5:09
